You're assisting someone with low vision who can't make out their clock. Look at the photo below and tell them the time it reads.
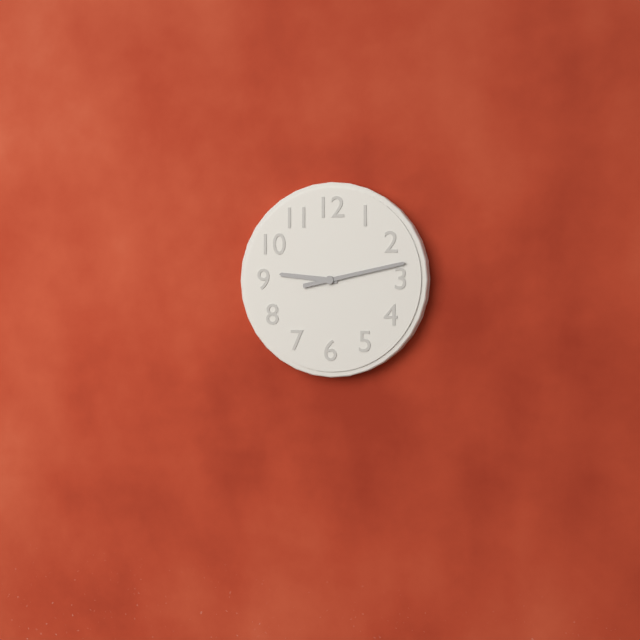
9:13
